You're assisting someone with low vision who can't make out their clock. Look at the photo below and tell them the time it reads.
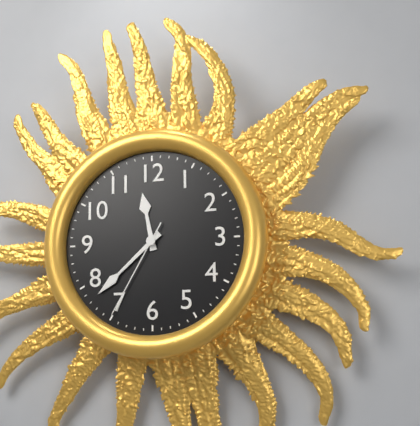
11:38:35
